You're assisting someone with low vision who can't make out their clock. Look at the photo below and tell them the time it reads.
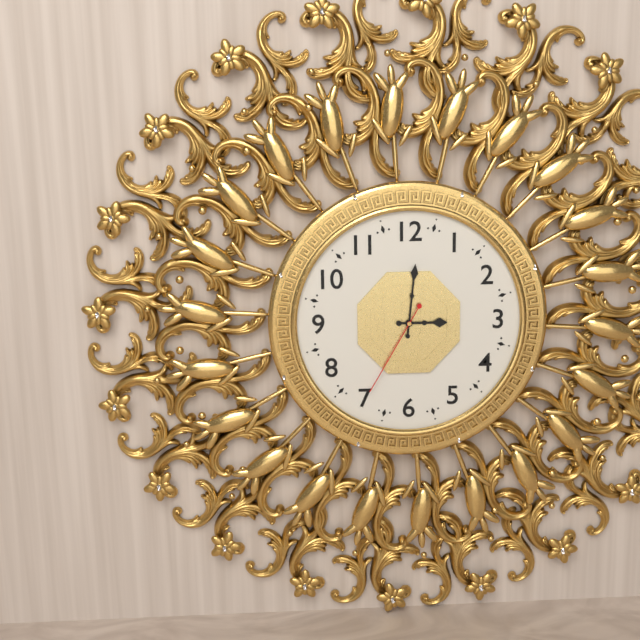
3:01:35
